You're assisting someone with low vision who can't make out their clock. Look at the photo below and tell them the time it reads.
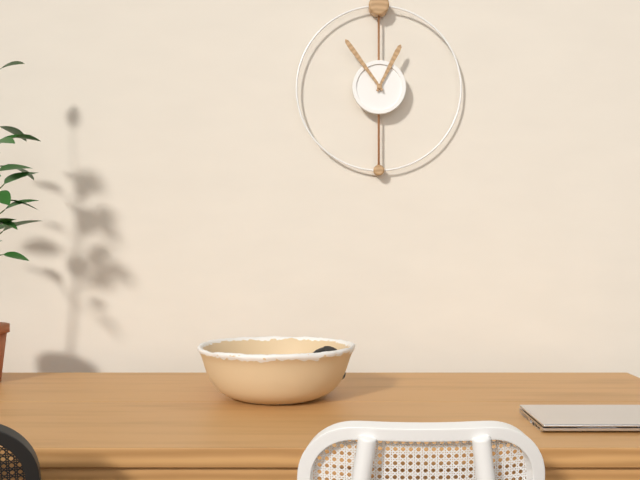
12:54
